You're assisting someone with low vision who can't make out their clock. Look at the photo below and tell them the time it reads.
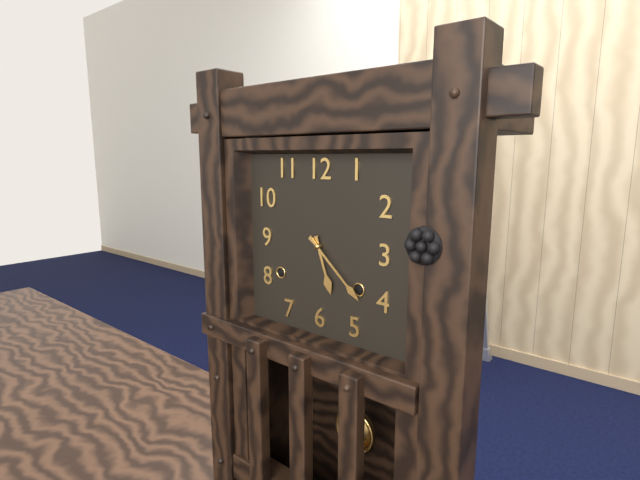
5:22
